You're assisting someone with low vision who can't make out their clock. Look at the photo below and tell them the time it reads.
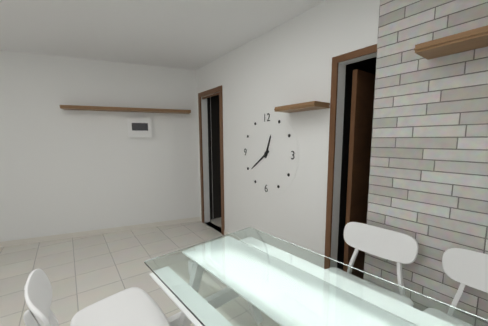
12:39
